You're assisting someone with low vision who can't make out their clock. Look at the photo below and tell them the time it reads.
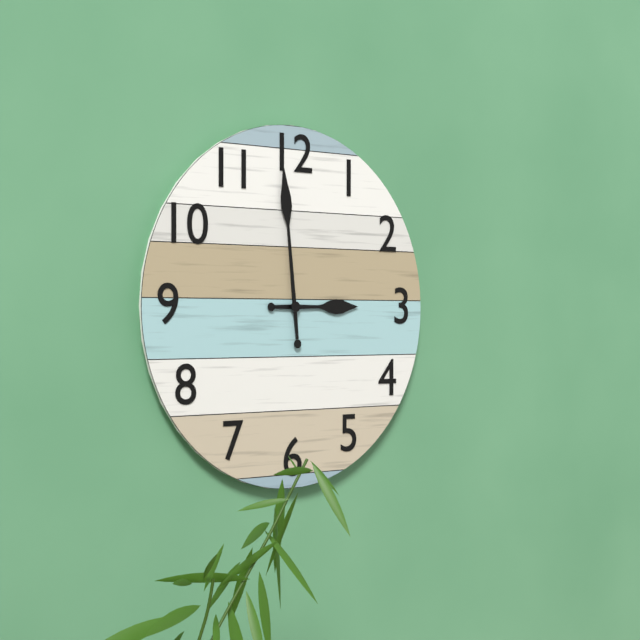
2:59
